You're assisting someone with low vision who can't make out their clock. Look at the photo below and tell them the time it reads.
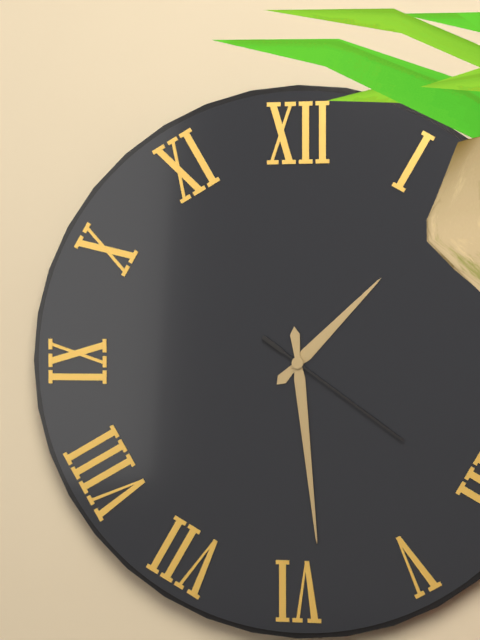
1:29:21
